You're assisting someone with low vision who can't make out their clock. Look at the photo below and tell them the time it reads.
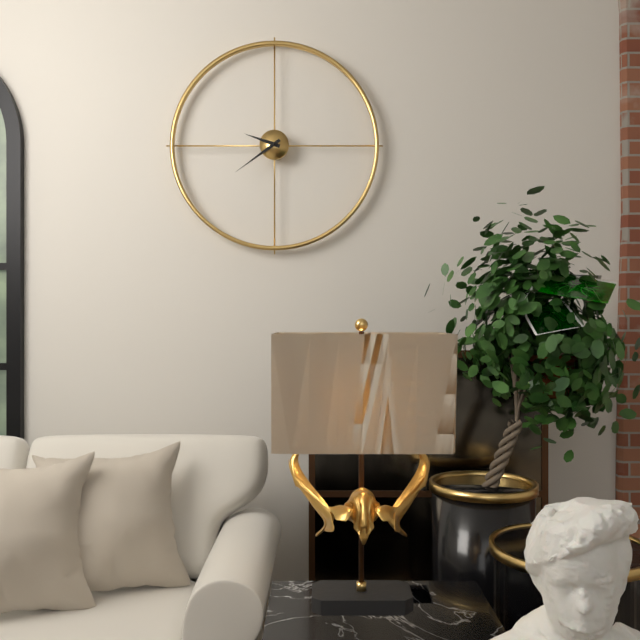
9:39
